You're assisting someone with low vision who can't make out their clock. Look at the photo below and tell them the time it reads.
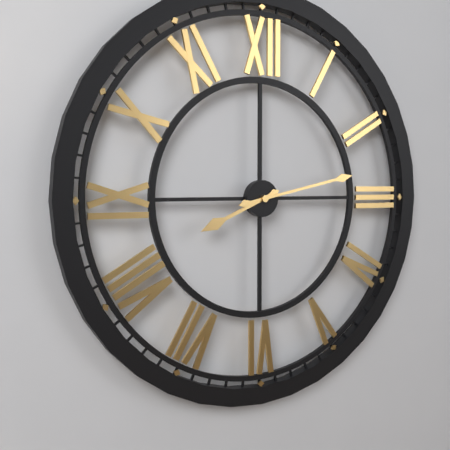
8:13
